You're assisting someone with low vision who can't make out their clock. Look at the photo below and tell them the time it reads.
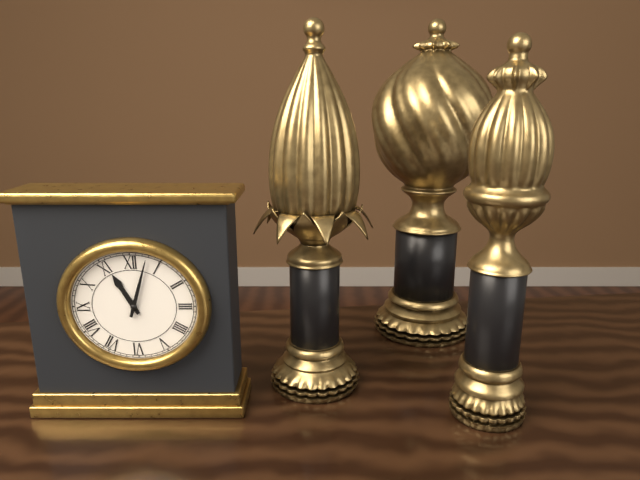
11:03
